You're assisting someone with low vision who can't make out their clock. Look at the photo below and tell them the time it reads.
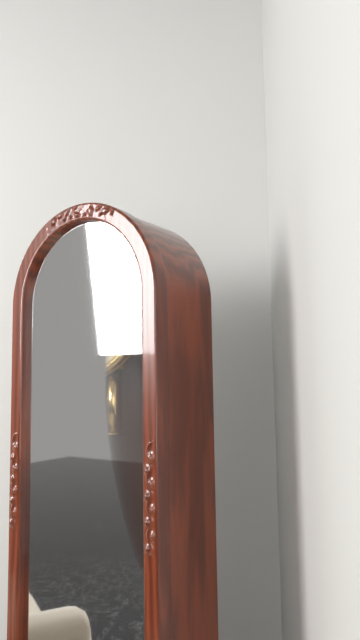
4:30
